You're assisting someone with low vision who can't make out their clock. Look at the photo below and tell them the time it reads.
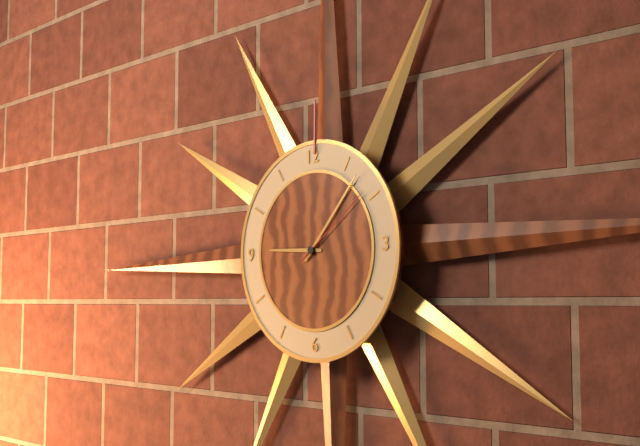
9:07:09
